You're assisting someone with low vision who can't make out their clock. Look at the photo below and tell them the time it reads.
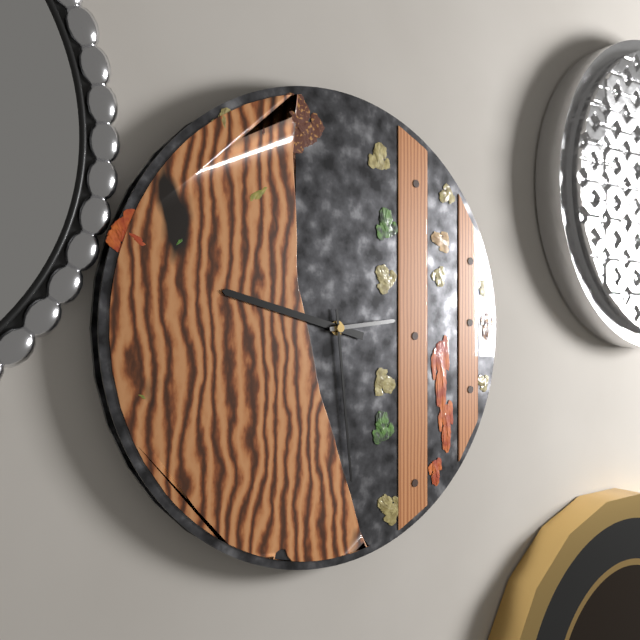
9:29:14
